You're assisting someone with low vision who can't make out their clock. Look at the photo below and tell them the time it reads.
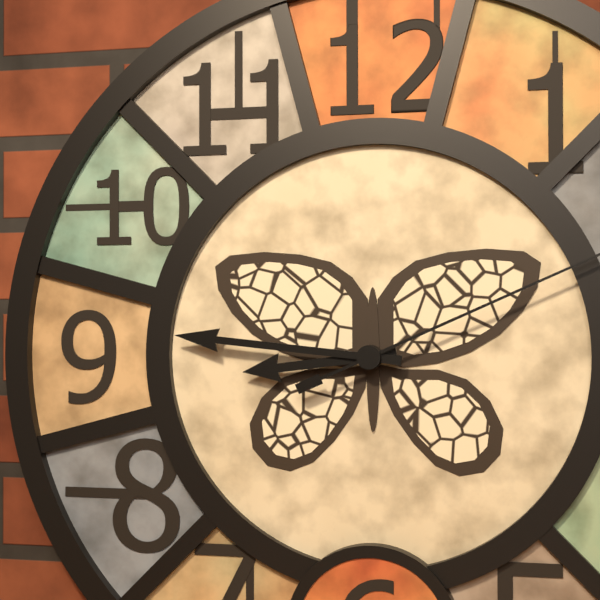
8:46
